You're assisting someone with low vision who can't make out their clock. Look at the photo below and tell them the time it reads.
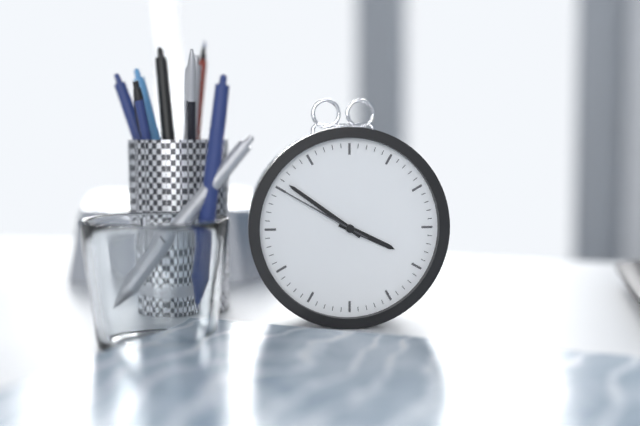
3:51:50
